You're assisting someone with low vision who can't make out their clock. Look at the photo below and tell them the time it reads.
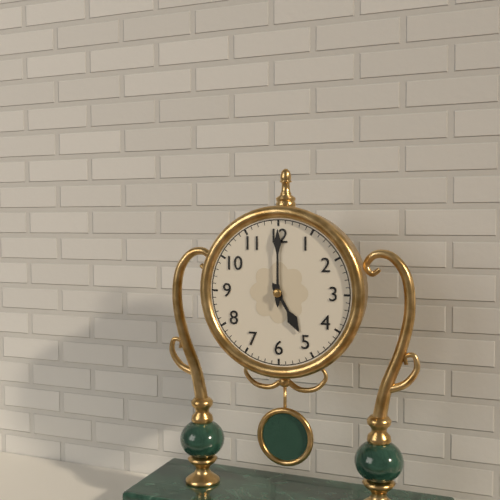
5:00
